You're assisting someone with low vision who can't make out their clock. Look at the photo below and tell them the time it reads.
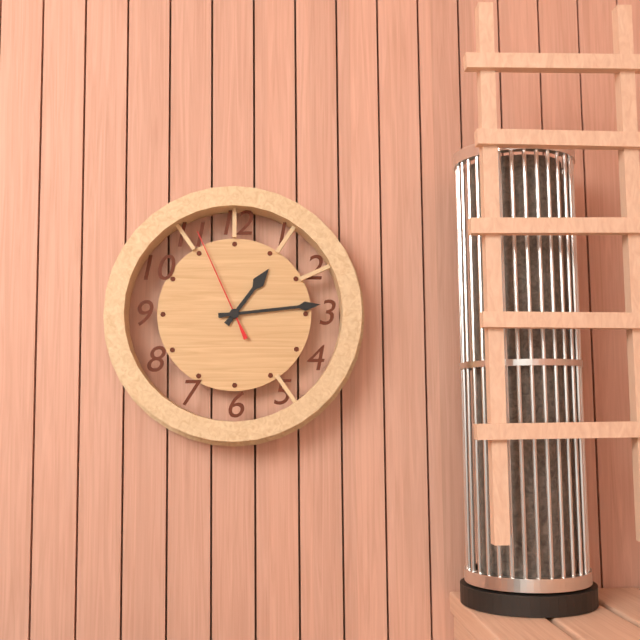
1:14:56
